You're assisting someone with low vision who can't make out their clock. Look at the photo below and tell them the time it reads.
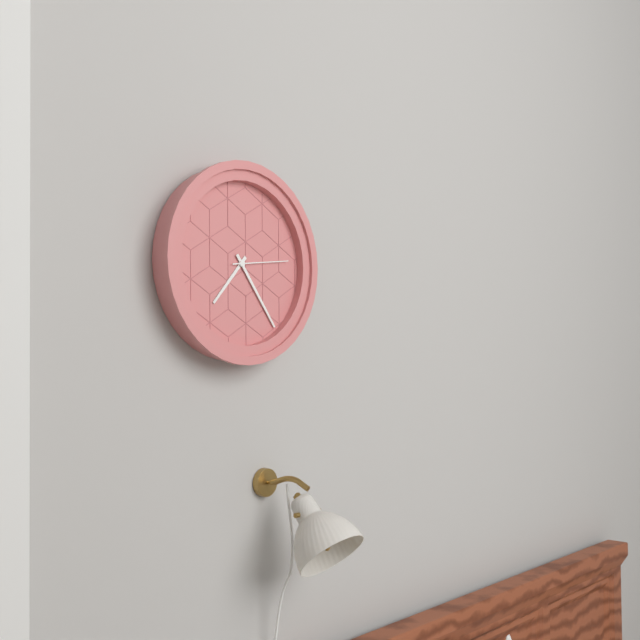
7:24:14
